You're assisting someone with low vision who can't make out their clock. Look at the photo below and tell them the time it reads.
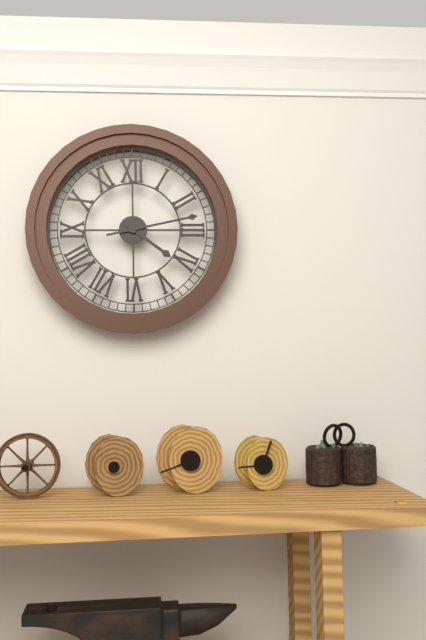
4:13
